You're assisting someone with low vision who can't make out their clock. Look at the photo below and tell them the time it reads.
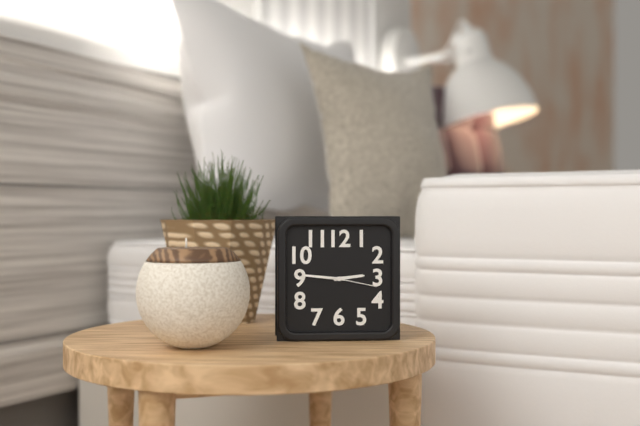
2:46
